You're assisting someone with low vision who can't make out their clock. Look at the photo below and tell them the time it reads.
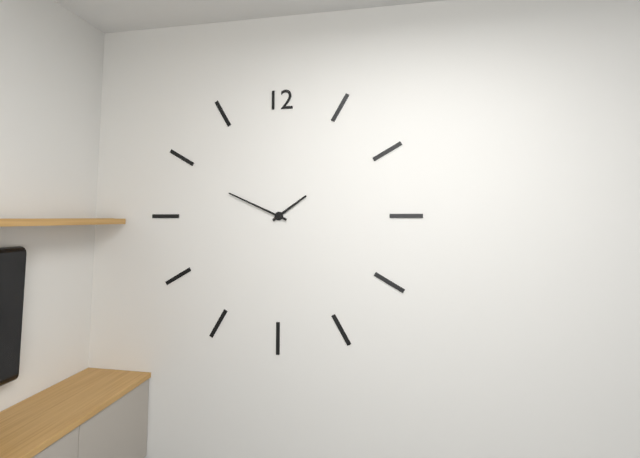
1:49
